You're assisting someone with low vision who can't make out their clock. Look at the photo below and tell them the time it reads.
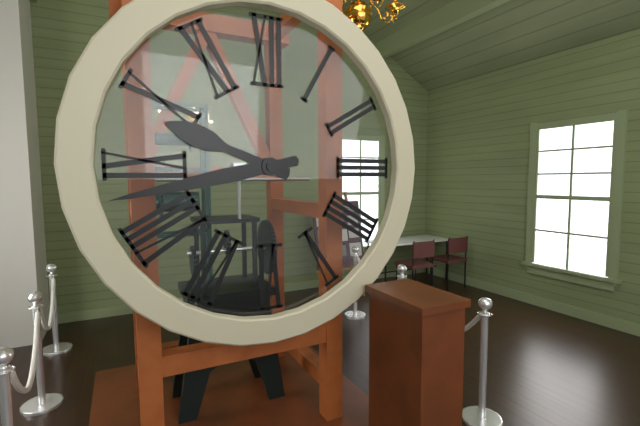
9:43
